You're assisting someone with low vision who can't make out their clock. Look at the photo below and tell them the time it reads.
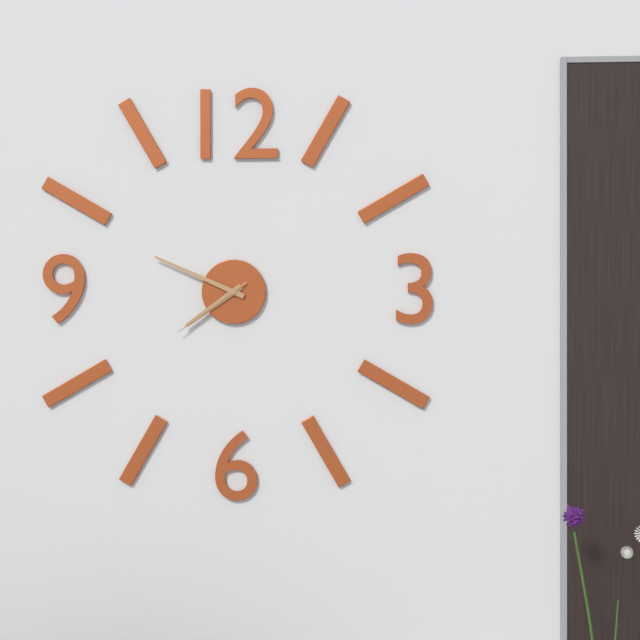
7:49:39
